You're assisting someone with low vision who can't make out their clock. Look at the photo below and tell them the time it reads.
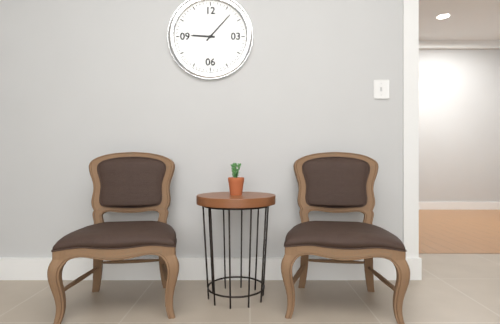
9:07
